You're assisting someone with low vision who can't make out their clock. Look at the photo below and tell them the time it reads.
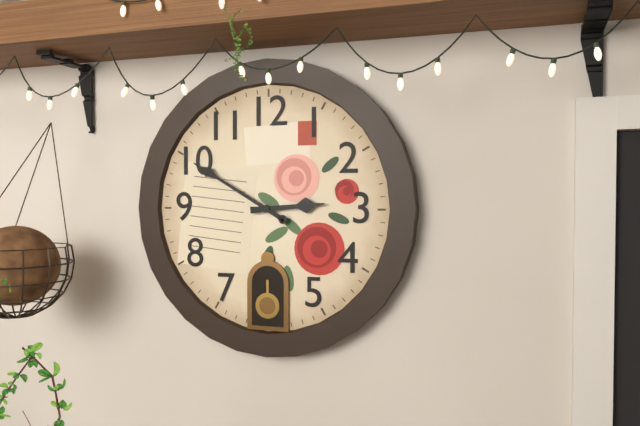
2:50
